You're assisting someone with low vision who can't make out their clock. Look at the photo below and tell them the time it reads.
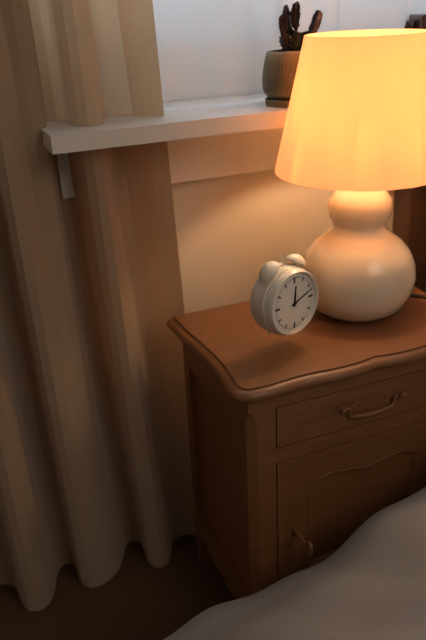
12:12
